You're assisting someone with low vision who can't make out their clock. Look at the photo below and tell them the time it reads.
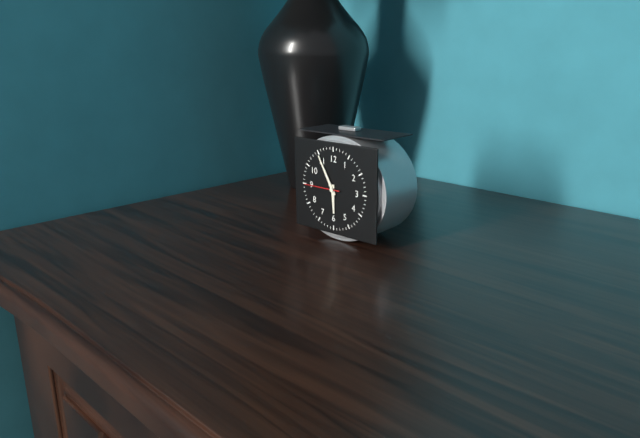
5:55:45
